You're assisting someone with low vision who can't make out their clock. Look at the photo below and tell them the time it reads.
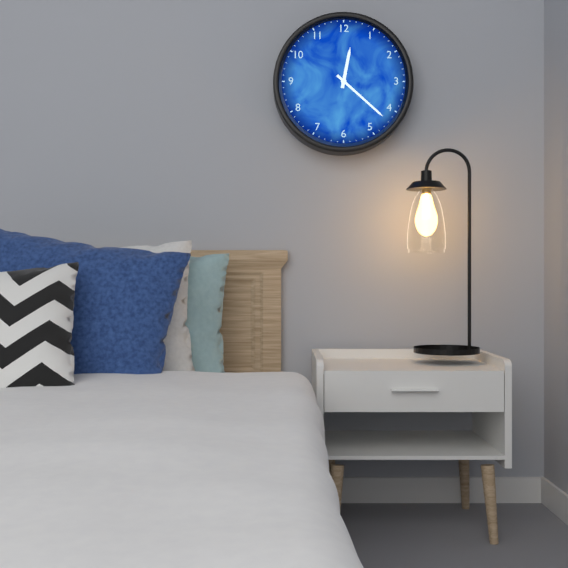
12:22
